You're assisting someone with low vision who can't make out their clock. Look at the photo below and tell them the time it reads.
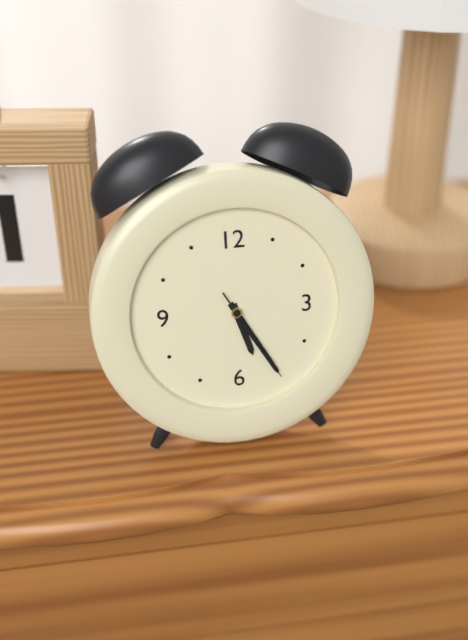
5:25:25
